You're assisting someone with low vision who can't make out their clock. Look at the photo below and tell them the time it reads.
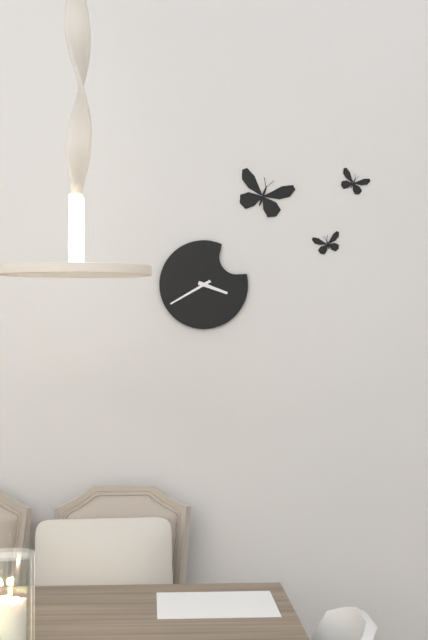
3:40
